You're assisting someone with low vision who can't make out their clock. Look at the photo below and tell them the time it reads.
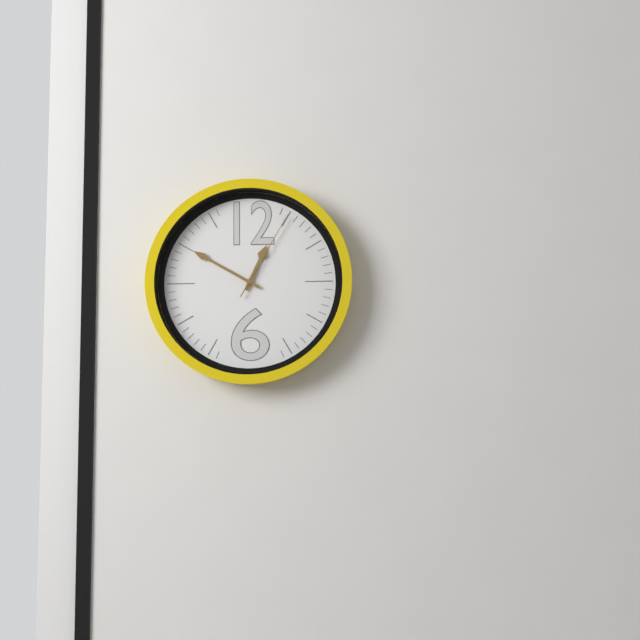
12:50:05
